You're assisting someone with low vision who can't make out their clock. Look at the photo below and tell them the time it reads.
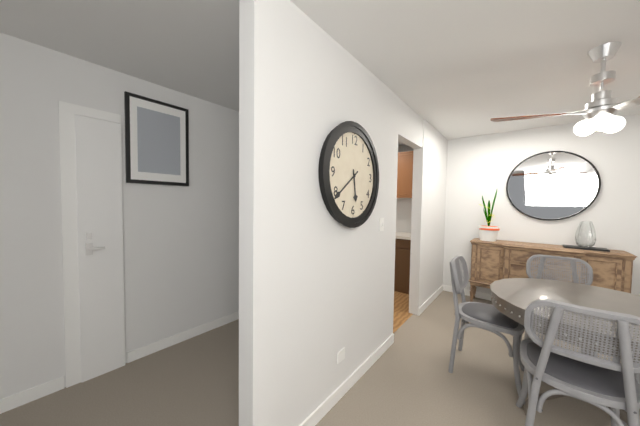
5:39
